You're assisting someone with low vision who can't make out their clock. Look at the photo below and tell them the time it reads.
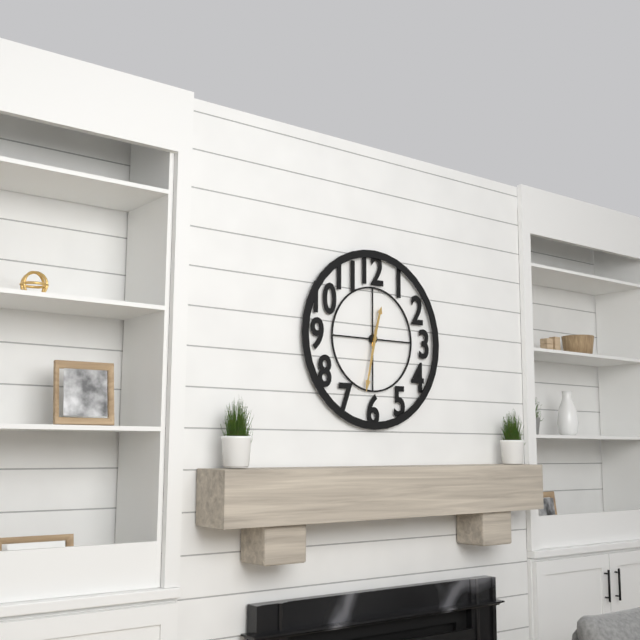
12:32
